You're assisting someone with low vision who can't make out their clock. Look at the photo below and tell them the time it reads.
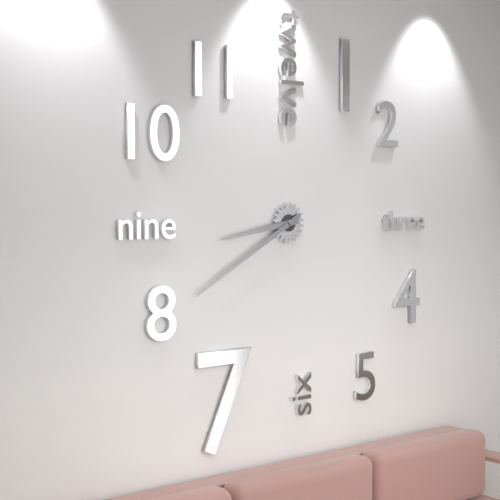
8:40
